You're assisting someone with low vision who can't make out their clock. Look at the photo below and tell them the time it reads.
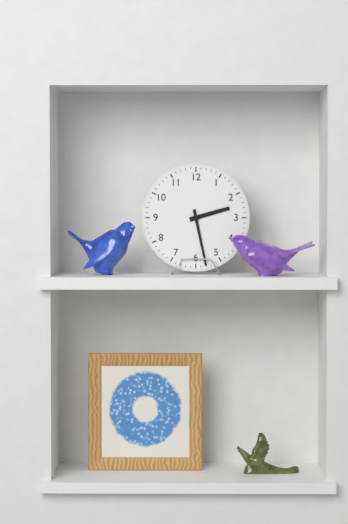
2:28
